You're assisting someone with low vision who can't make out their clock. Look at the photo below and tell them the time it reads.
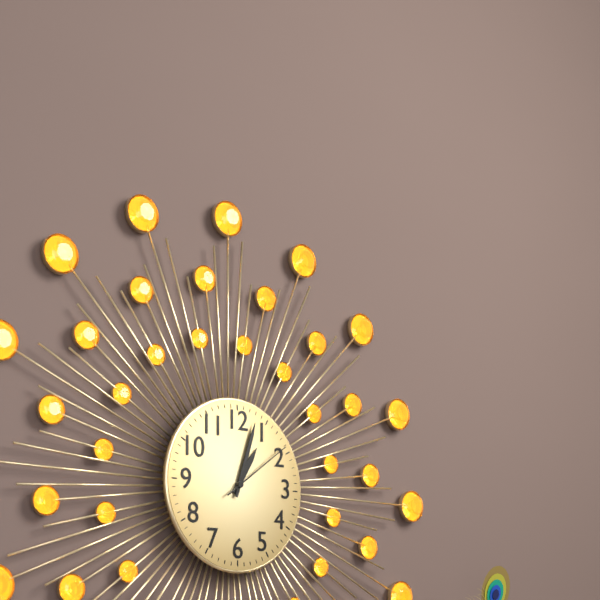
1:03:09
